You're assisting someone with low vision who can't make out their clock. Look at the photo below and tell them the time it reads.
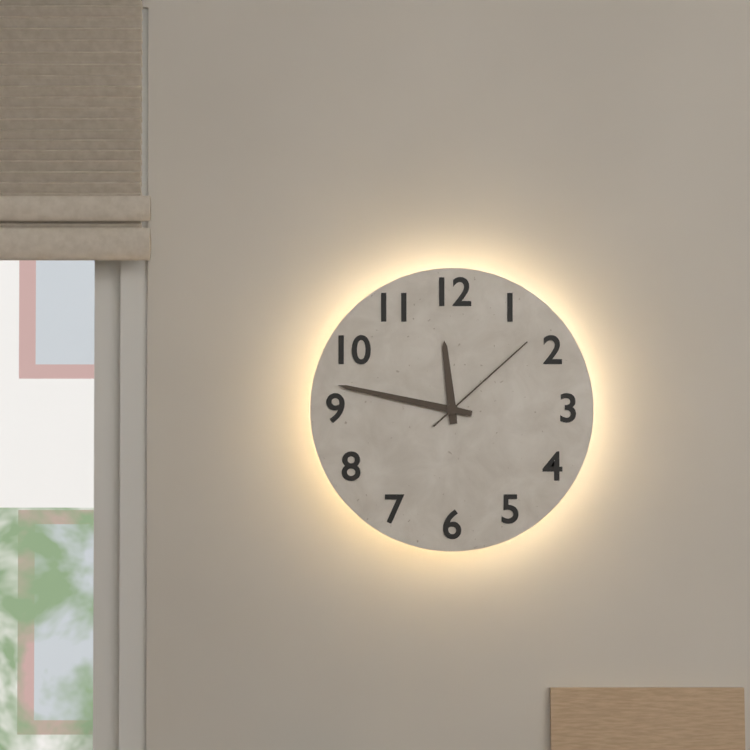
11:47:08
